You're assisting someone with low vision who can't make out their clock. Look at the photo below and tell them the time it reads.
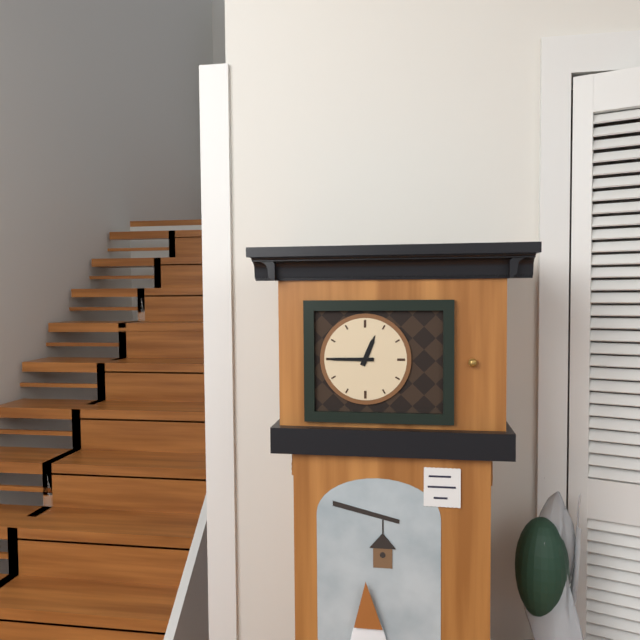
12:45
